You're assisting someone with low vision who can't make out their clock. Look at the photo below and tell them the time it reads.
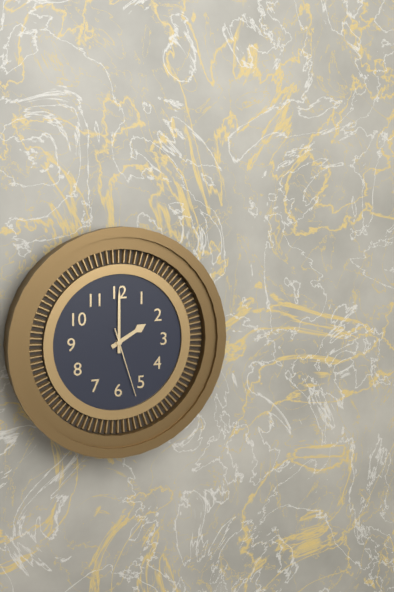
2:00:27
